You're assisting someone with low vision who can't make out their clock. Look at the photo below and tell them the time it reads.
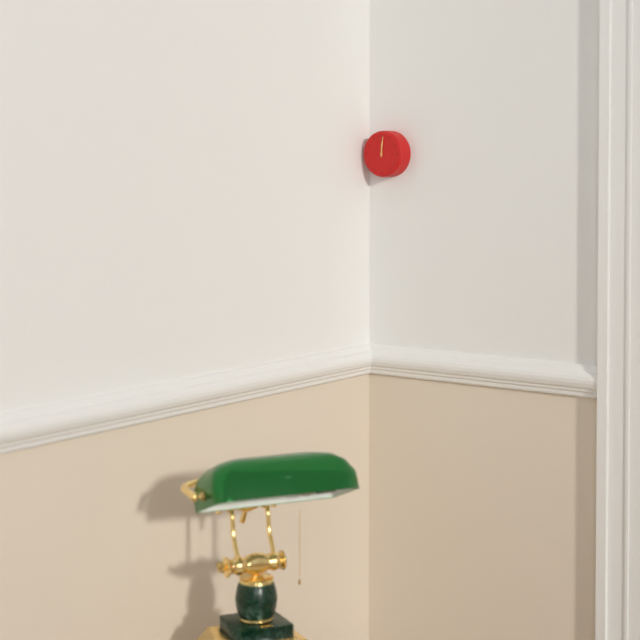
12:01
